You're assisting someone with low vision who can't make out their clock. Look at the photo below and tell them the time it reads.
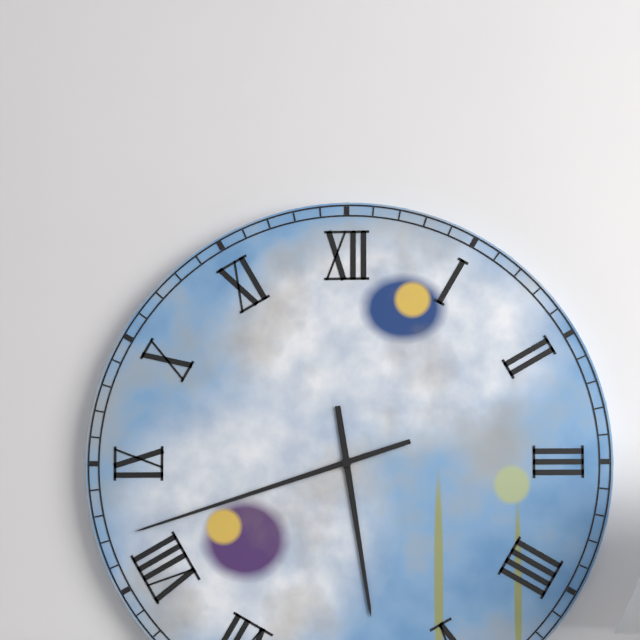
5:42
